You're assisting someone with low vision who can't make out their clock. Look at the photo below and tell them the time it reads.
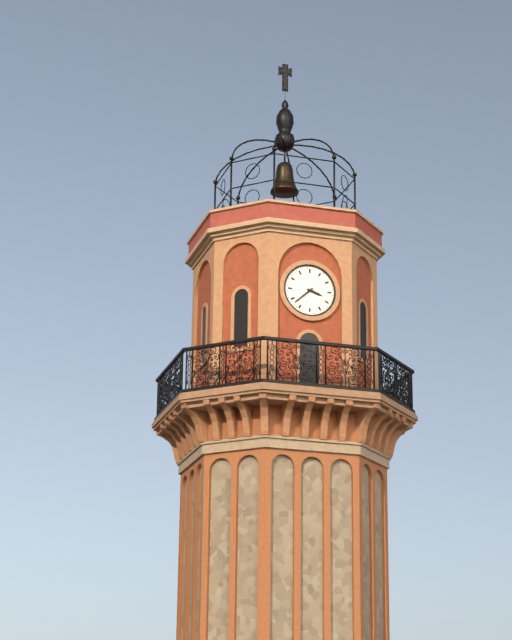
3:38
